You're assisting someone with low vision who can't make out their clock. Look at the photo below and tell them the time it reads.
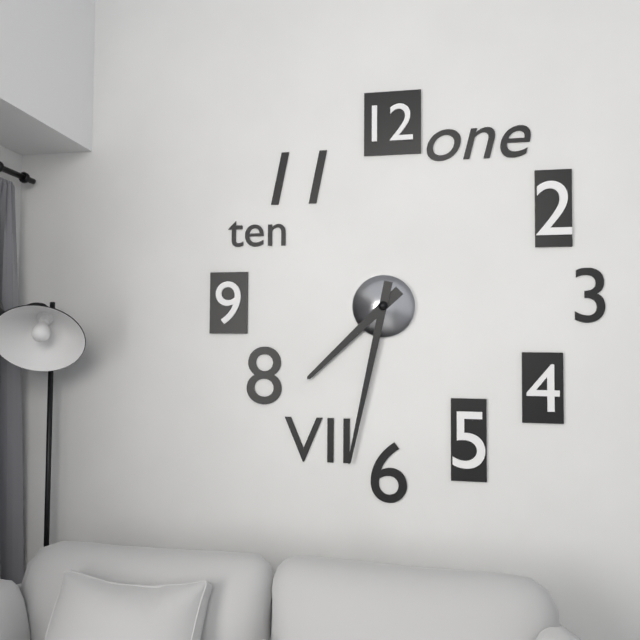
7:32
